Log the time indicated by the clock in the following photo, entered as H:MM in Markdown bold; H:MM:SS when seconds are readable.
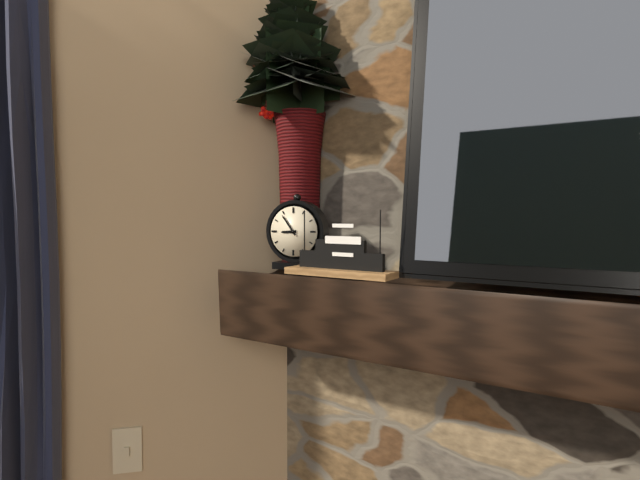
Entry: **8:54**
